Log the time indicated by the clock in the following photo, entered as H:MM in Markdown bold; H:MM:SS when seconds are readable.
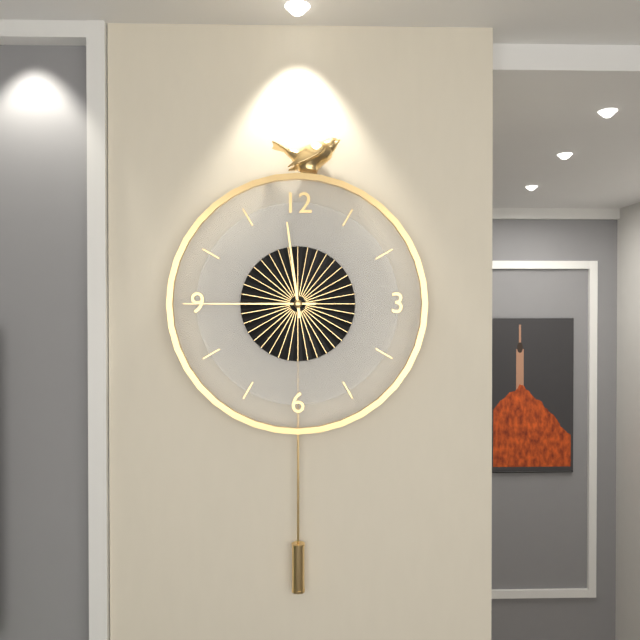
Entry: **11:45**
